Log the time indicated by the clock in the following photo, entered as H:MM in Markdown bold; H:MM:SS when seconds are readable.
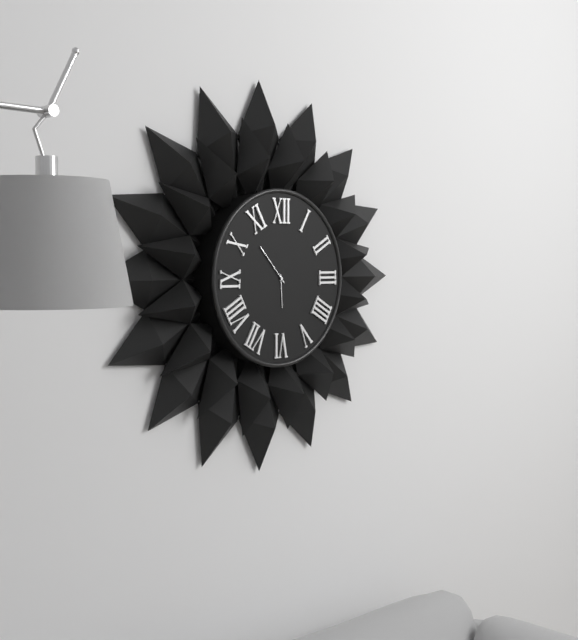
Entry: **5:53**
